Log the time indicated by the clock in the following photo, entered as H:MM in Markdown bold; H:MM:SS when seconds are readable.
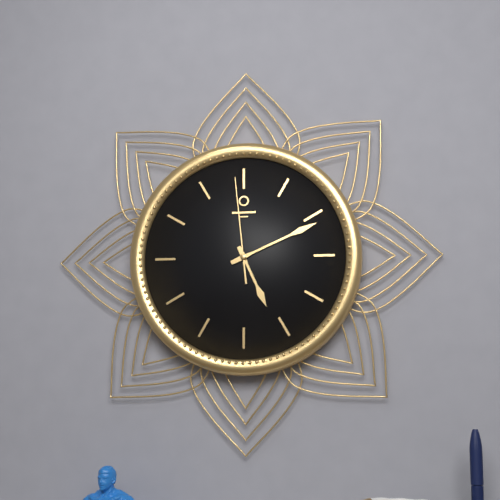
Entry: **5:11:59**
